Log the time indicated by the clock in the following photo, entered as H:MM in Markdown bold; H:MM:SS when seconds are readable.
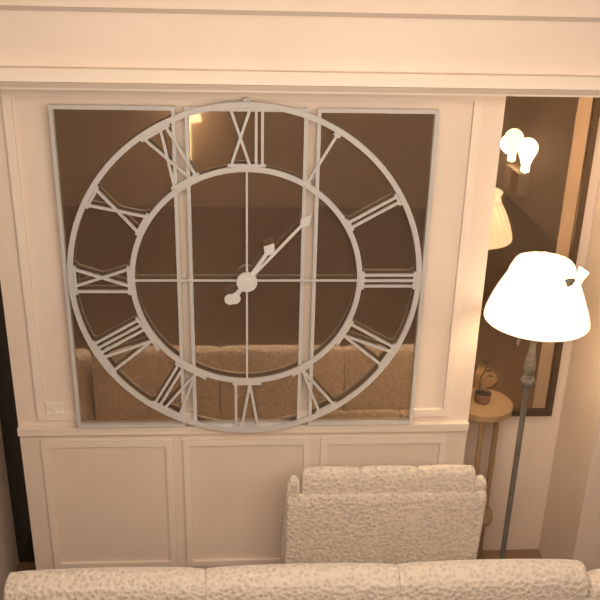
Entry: **1:07**
